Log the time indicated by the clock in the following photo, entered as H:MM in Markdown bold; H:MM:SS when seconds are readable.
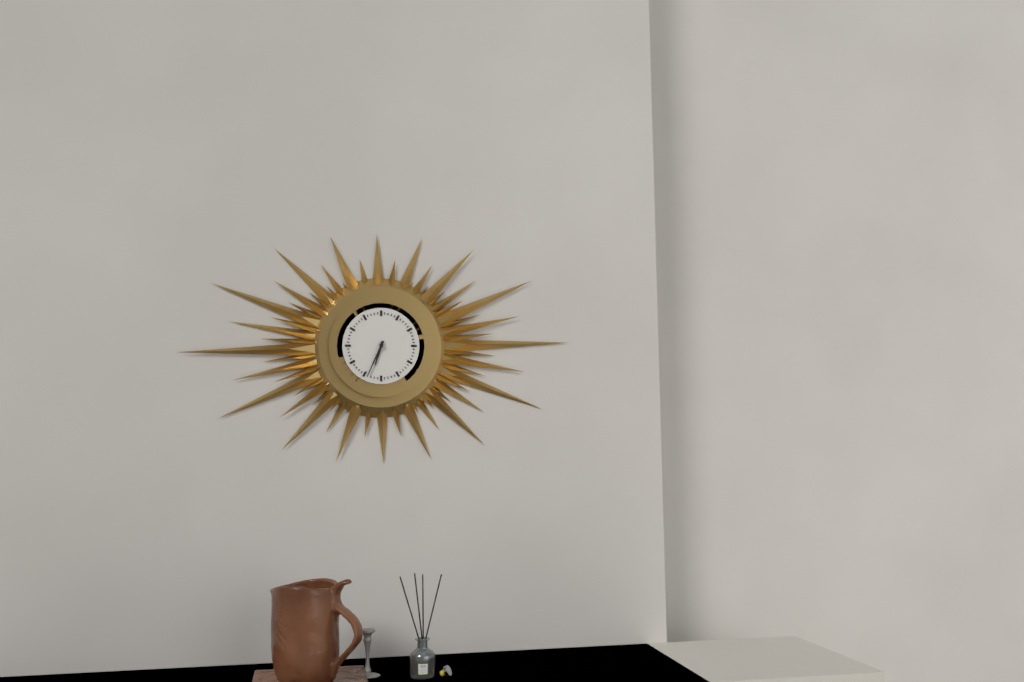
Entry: **6:34**
